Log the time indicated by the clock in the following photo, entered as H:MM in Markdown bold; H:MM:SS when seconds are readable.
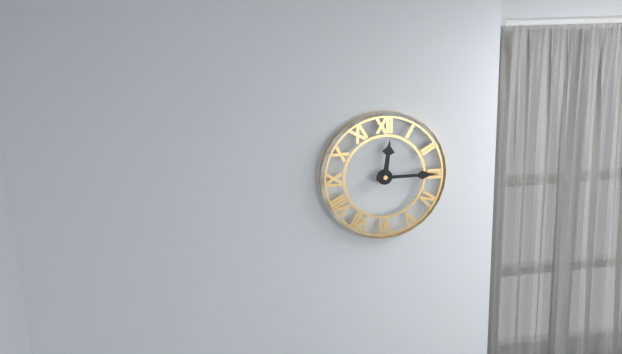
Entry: **12:15**
